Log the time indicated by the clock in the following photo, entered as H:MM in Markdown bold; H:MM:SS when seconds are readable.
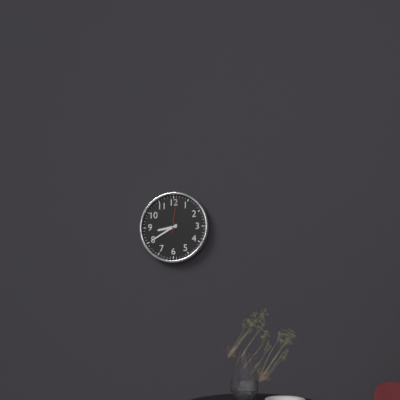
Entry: **8:40**
